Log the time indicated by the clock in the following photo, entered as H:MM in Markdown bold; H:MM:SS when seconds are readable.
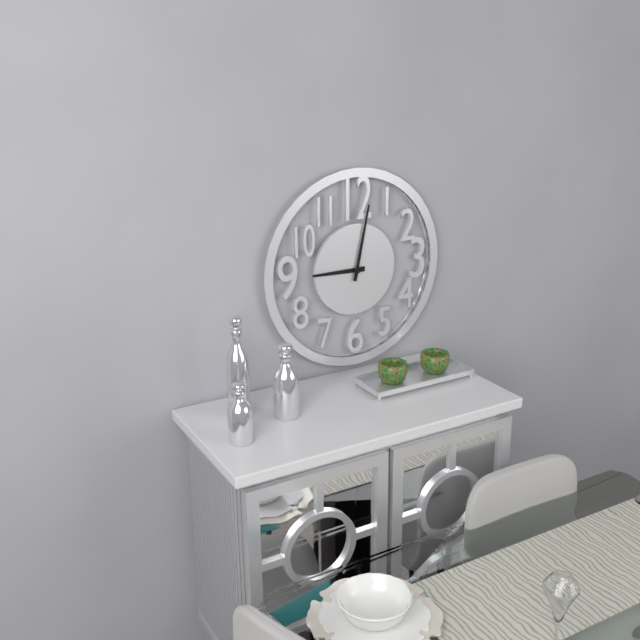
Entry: **9:02**
